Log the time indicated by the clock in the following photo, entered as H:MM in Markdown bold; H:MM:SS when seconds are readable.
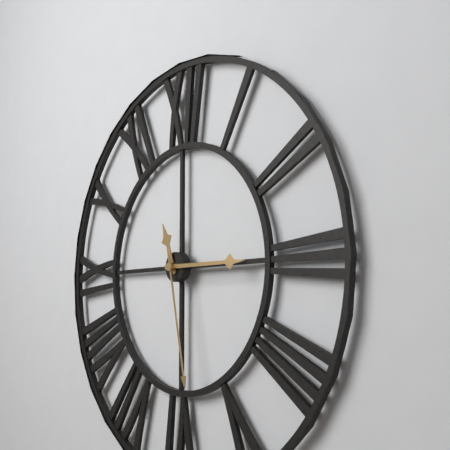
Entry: **11:15:28**
